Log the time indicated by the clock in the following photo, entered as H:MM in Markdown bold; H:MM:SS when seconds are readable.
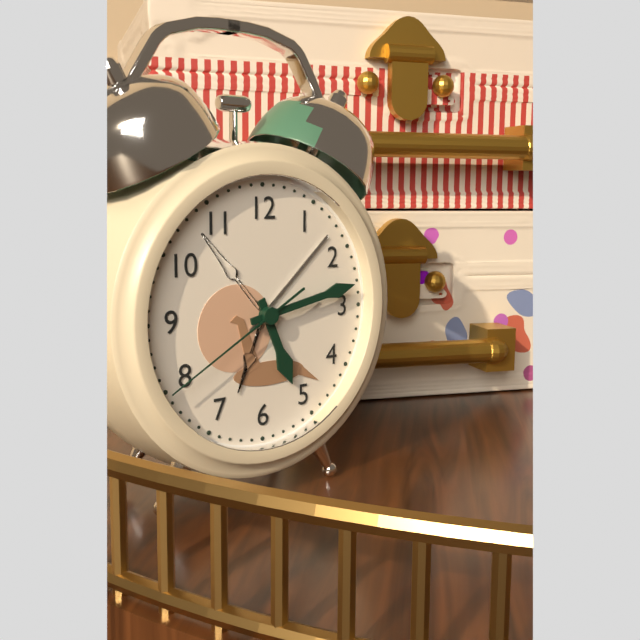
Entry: **5:13:40**
